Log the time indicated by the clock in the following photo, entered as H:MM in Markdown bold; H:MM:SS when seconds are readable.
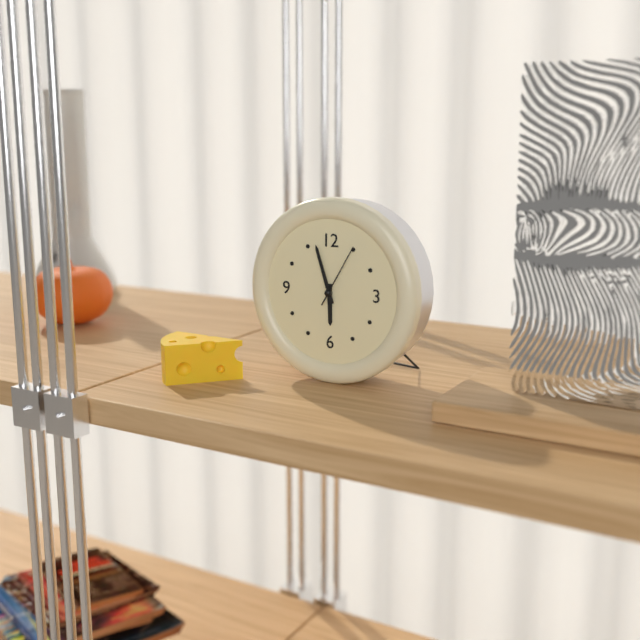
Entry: **5:57:05**
